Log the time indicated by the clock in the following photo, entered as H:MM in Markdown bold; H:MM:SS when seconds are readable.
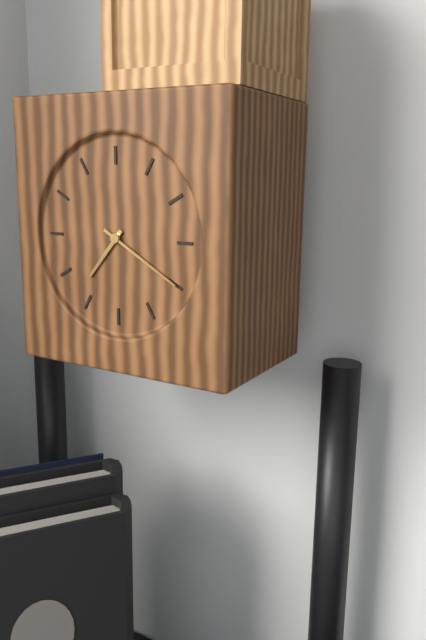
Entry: **7:20**
